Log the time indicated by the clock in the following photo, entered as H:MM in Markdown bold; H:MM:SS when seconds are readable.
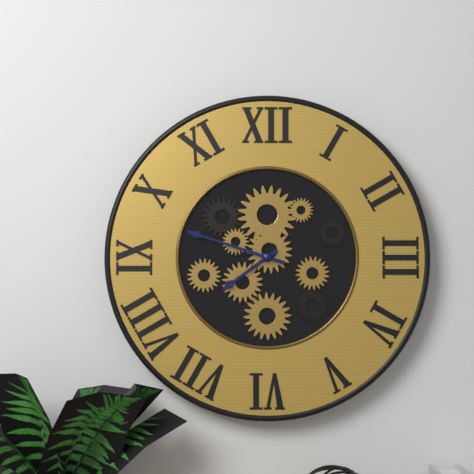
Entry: **7:48**
